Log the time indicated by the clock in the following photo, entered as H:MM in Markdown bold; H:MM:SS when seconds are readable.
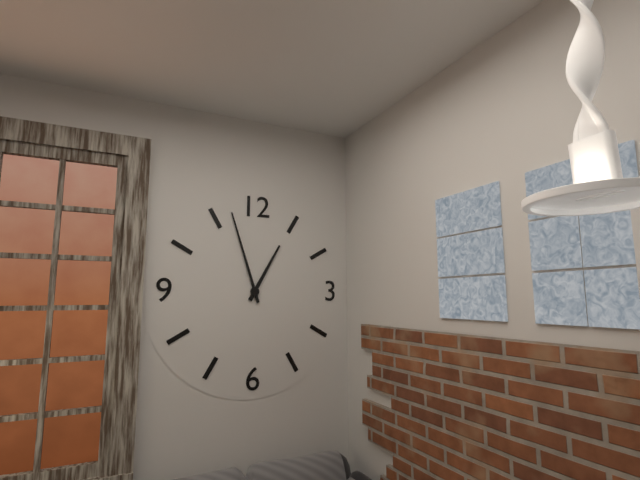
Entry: **12:57**
